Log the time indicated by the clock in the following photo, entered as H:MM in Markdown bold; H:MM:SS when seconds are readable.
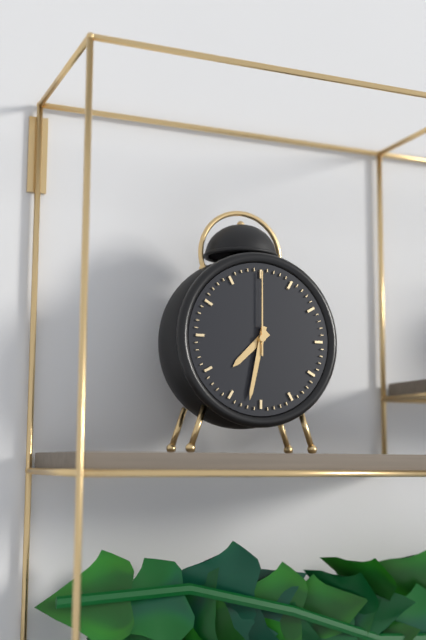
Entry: **7:32:00**
